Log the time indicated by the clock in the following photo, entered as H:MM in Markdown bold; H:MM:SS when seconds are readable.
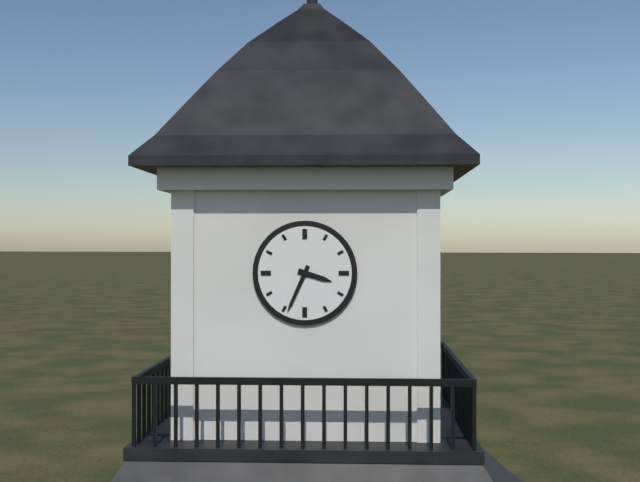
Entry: **3:34**
